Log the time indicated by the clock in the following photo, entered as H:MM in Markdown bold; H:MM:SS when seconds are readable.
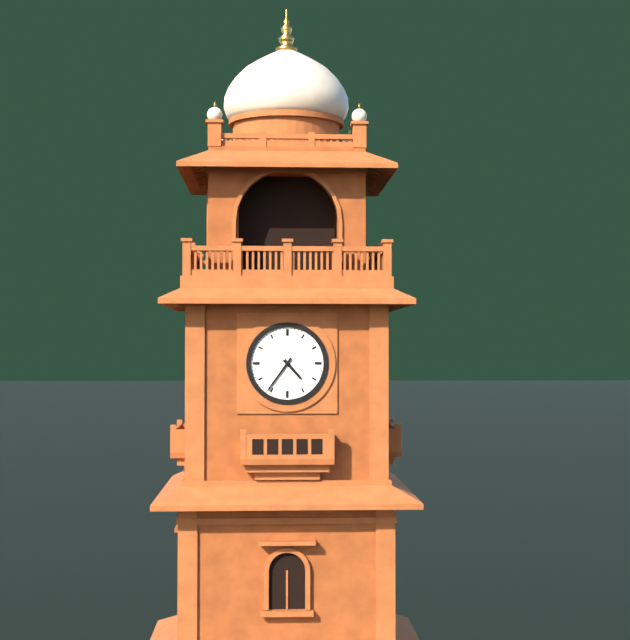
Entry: **4:36**
